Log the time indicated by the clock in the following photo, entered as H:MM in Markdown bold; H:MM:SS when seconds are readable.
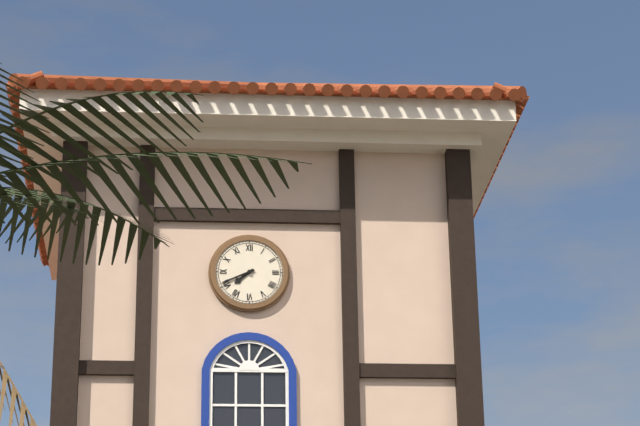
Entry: **7:41**
